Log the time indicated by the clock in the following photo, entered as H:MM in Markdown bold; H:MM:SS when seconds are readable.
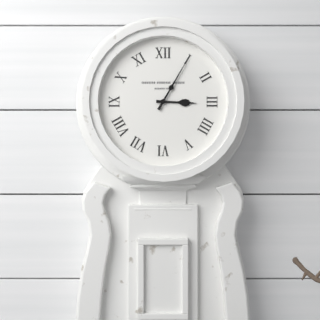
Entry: **3:05**
